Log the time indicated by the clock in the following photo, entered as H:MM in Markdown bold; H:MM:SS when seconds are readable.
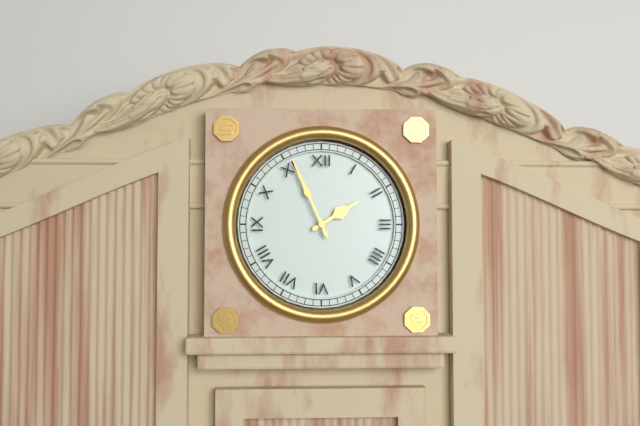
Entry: **1:56**
